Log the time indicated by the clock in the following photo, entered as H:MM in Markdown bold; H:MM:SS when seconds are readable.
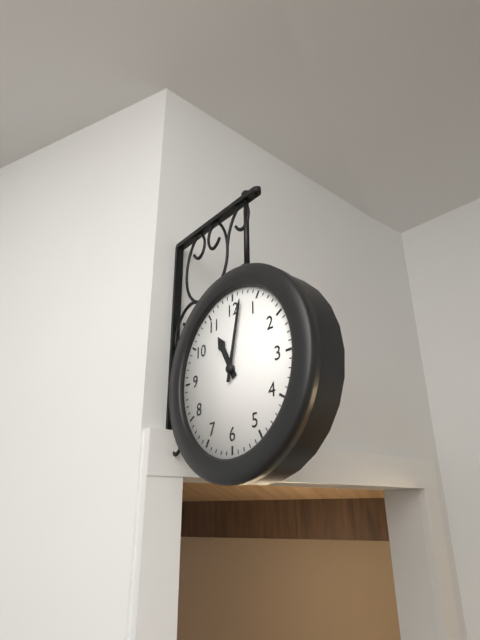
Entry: **11:02**
